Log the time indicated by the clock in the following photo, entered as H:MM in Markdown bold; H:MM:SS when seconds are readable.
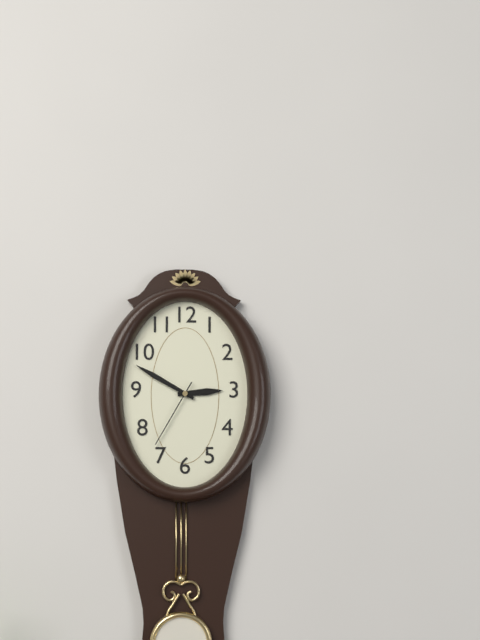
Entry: **2:50:35**
